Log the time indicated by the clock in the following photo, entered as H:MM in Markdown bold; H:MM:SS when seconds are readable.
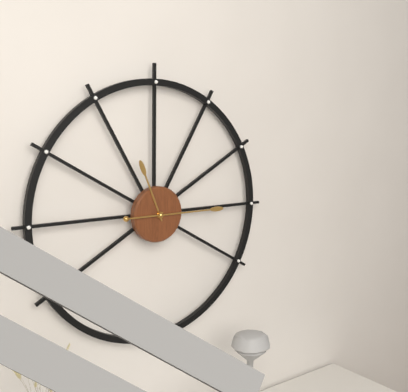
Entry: **11:15**
